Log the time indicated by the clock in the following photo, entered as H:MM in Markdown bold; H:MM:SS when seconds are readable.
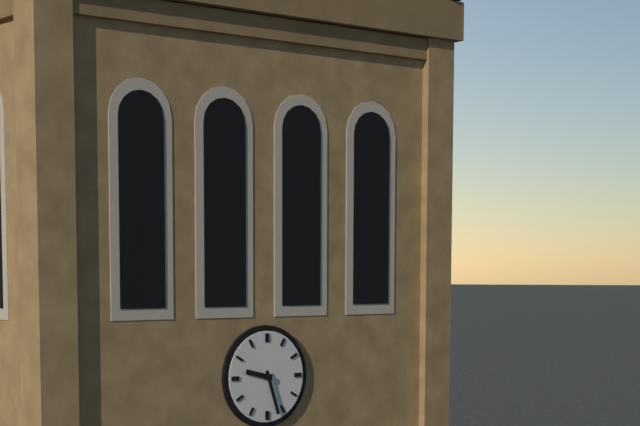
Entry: **9:27**
